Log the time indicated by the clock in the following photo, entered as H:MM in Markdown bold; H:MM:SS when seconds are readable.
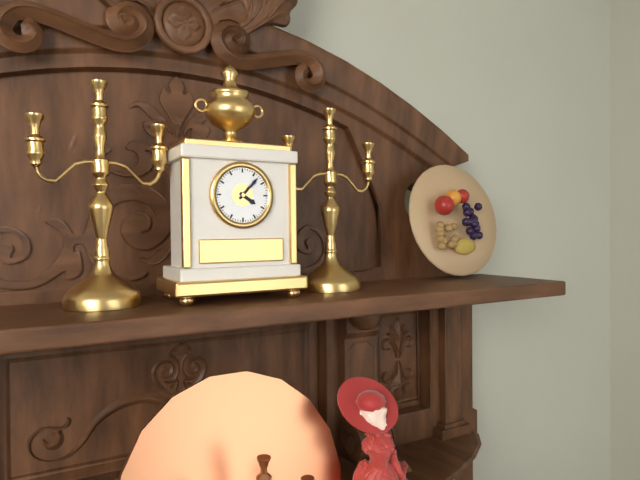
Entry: **4:07**
